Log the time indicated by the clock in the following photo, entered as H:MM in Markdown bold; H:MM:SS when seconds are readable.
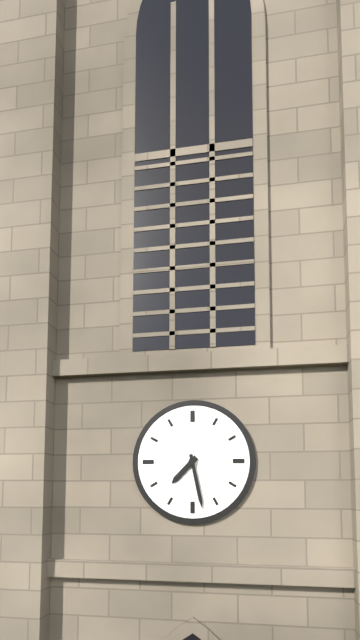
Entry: **7:28**
